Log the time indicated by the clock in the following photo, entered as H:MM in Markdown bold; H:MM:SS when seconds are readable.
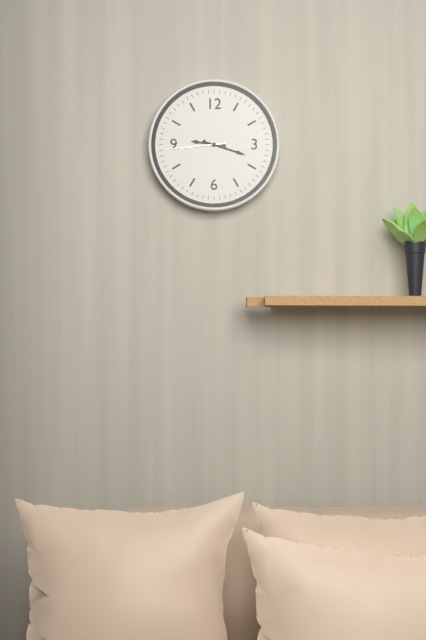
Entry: **9:18:44**
